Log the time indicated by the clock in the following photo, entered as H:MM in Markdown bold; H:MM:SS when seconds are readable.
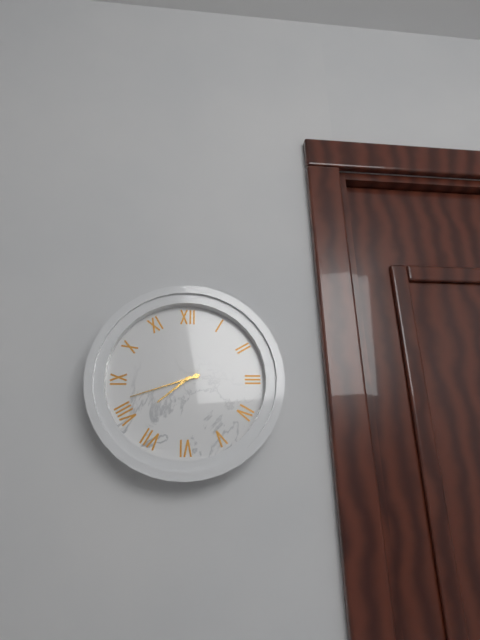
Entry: **7:42**
